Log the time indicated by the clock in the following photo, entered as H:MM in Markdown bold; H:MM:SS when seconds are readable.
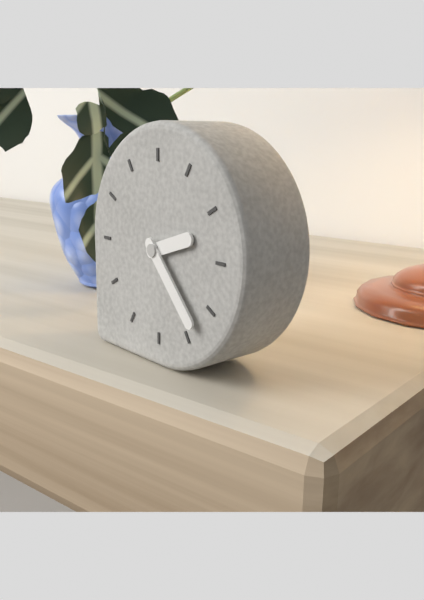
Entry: **2:23**
